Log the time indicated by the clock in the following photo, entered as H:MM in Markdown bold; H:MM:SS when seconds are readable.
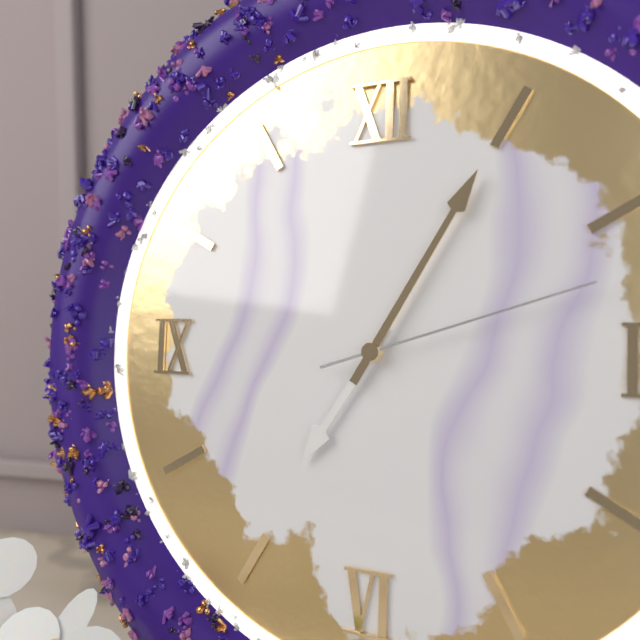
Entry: **7:05:12**
